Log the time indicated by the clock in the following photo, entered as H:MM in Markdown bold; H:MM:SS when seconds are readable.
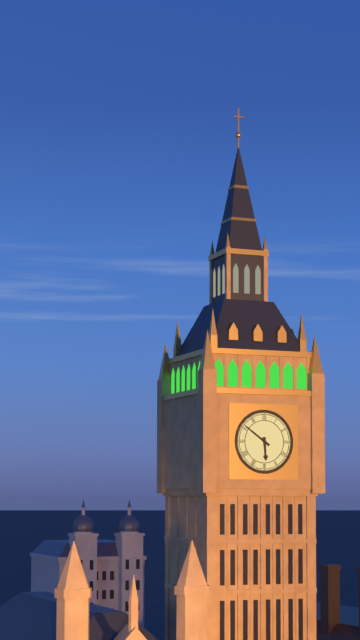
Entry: **5:51**
